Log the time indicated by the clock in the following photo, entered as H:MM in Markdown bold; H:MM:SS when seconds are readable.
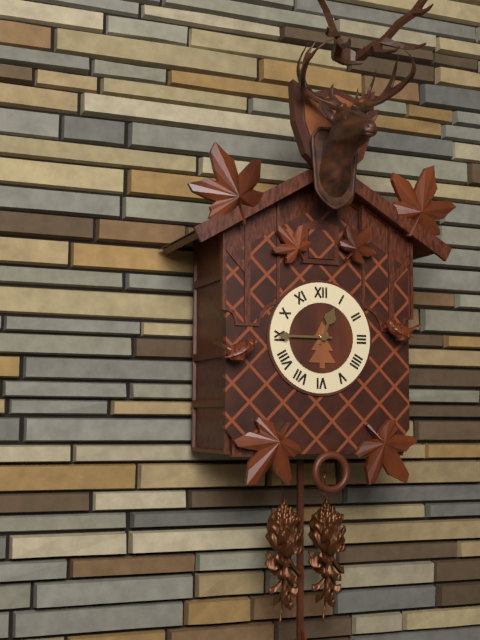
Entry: **12:45**
